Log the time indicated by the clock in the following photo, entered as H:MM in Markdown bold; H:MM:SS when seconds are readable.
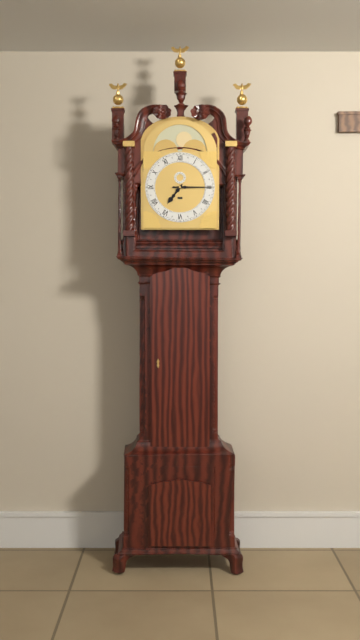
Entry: **7:15**
